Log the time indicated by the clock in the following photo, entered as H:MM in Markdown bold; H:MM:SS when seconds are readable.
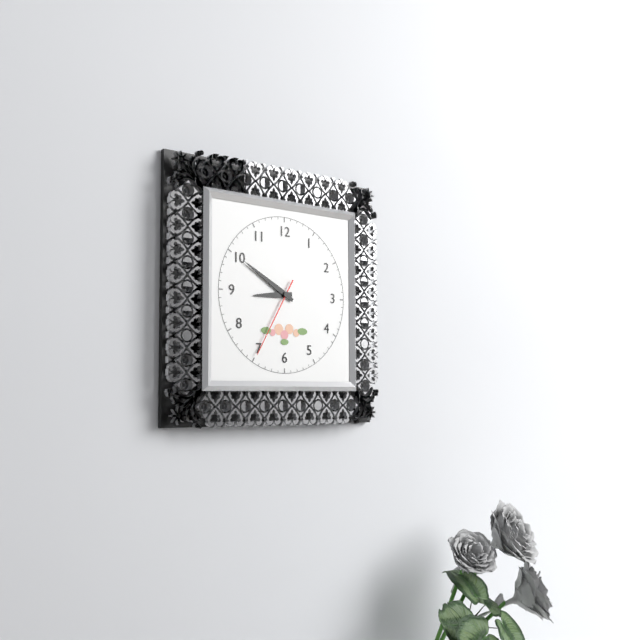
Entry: **8:50:35**
